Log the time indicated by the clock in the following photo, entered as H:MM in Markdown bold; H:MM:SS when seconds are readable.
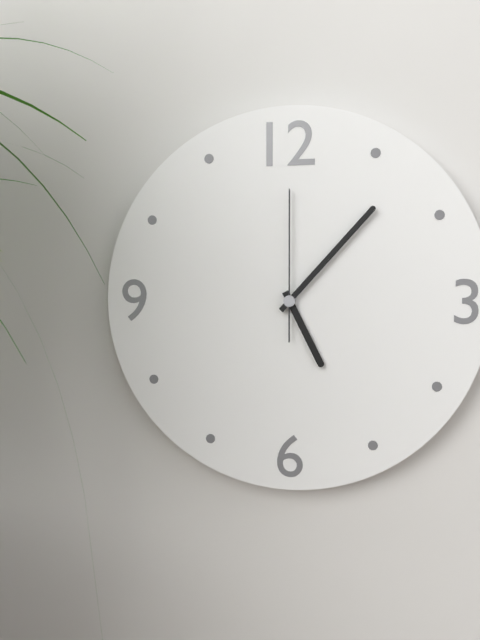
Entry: **5:07:00**
